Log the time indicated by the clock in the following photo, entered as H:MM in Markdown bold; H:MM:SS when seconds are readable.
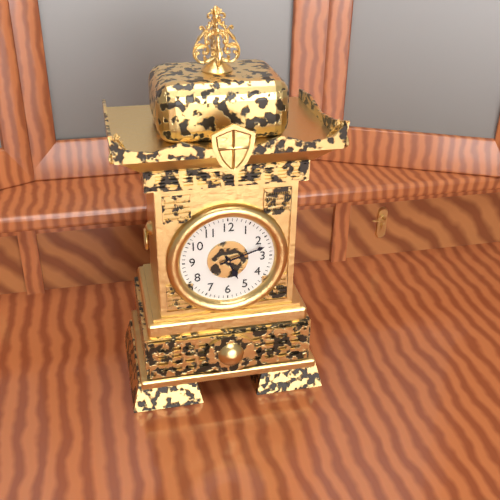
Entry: **5:12**
